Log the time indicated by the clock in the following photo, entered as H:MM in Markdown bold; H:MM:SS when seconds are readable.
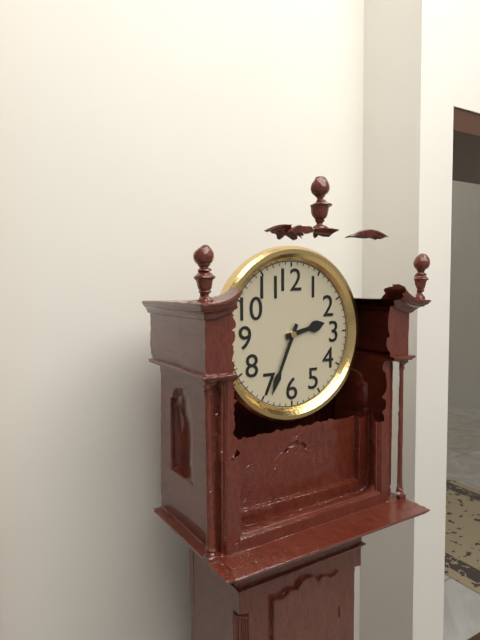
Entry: **2:34**
